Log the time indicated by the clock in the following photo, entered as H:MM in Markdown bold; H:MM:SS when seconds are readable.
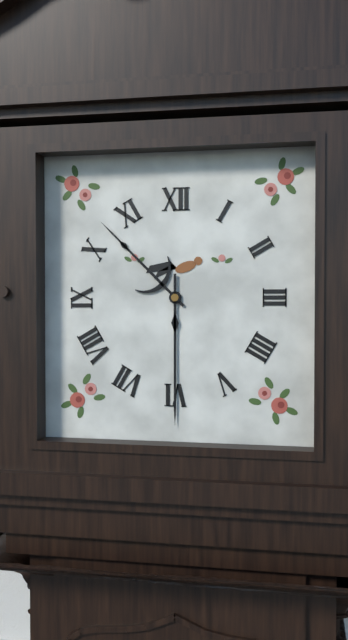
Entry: **10:30**
